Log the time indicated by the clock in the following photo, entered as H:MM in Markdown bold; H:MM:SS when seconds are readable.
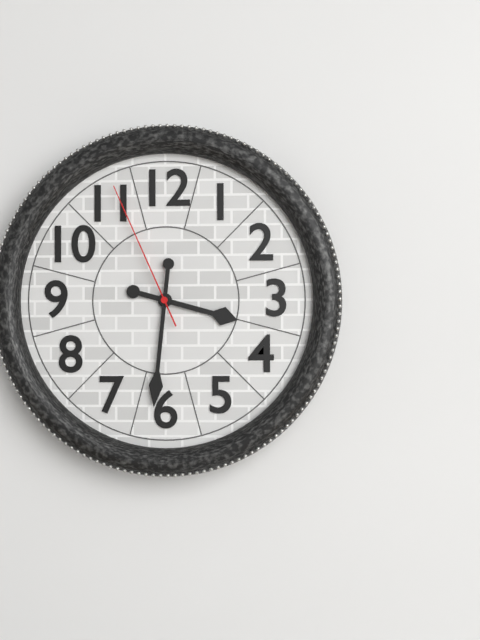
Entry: **3:31:56**
